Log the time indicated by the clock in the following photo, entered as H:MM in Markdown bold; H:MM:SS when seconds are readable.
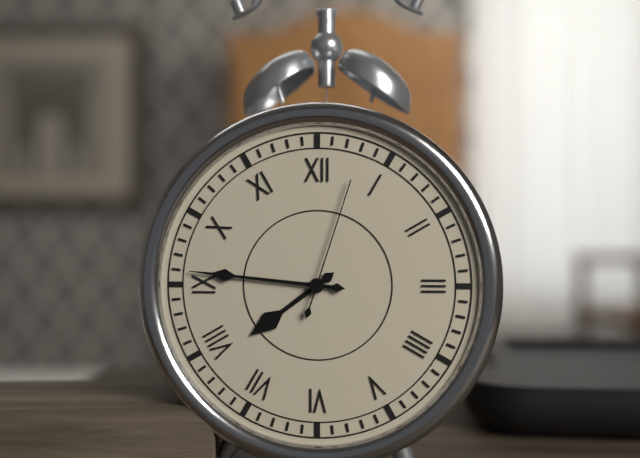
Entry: **7:46:03**
